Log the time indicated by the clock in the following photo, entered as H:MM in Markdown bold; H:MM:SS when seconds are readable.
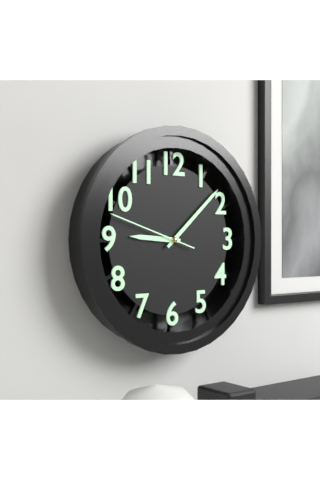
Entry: **9:08:48**
